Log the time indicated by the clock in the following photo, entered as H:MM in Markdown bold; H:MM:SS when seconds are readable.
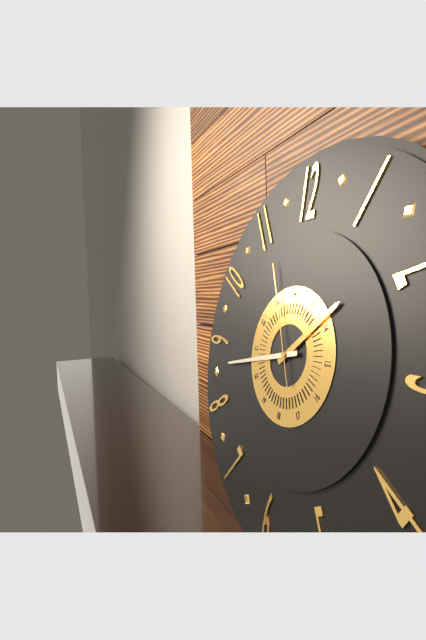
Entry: **1:43:56**
